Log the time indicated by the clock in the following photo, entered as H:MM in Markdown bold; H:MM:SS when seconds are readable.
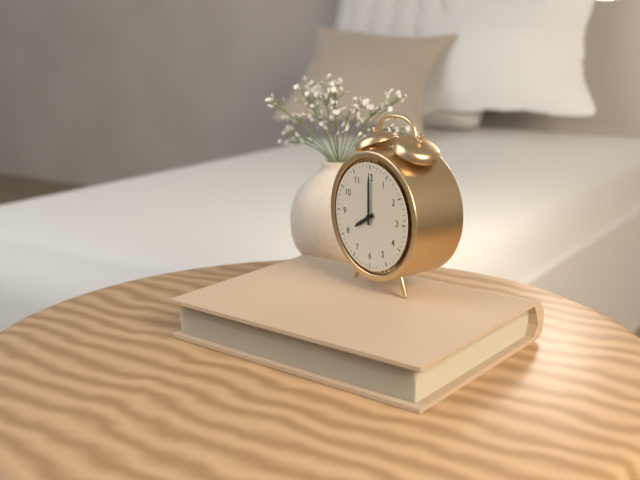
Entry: **8:00**
